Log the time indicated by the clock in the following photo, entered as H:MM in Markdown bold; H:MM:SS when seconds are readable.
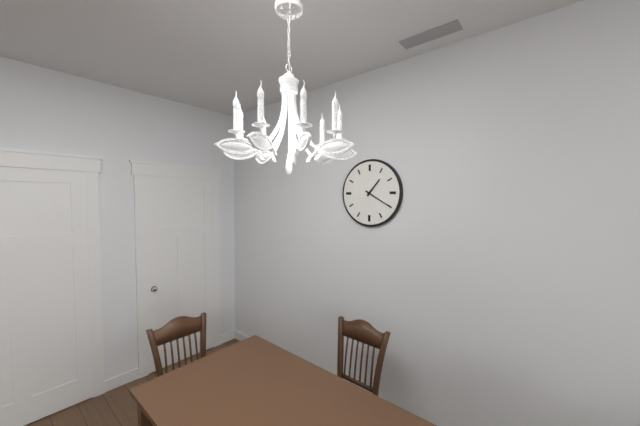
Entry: **1:20**
